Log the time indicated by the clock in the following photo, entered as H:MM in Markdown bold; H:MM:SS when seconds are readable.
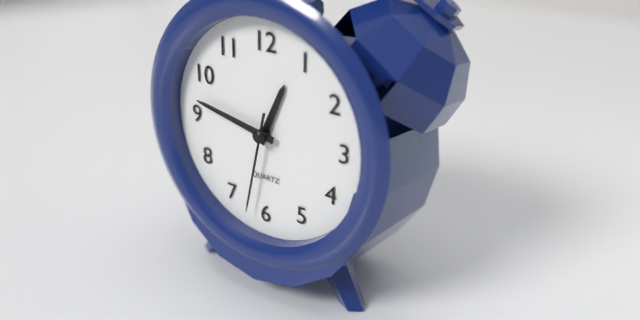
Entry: **12:47:32**
